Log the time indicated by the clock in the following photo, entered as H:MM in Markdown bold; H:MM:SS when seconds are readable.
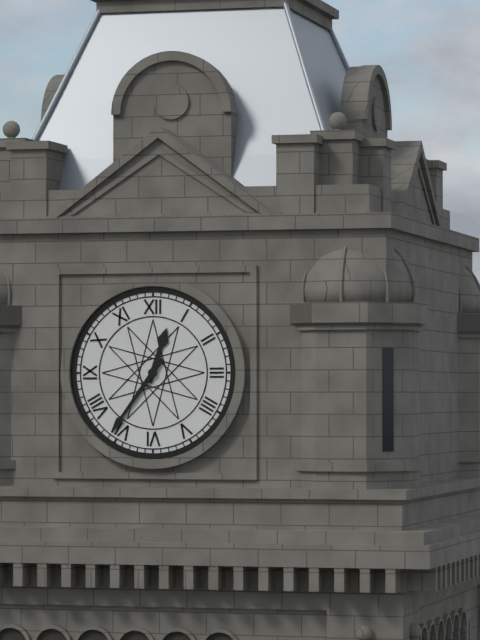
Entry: **12:36**
